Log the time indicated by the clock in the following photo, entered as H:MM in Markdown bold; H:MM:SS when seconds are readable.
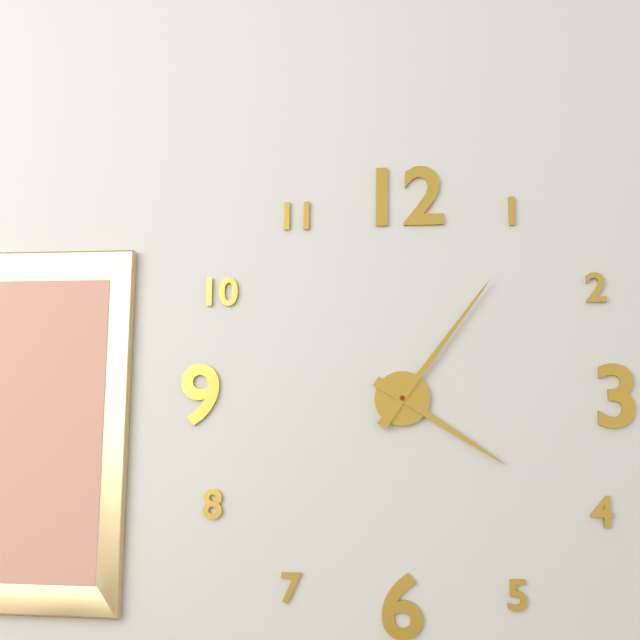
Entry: **4:06**
